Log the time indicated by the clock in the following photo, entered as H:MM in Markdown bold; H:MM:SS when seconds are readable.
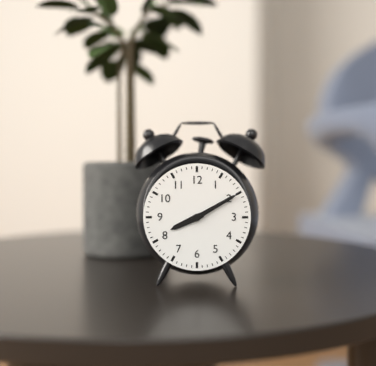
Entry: **8:10**
